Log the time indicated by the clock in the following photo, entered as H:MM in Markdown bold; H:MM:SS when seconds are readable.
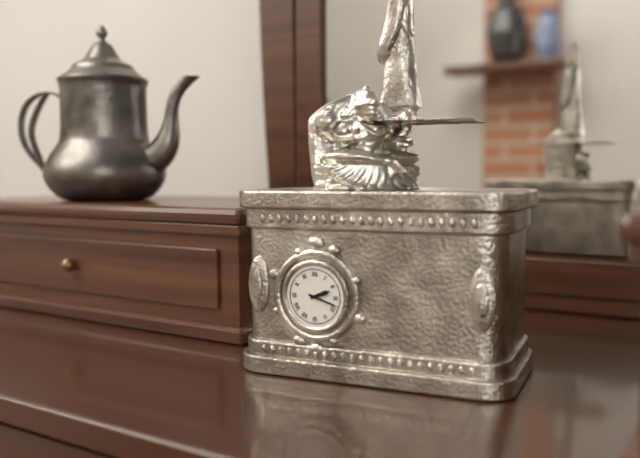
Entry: **2:18**
